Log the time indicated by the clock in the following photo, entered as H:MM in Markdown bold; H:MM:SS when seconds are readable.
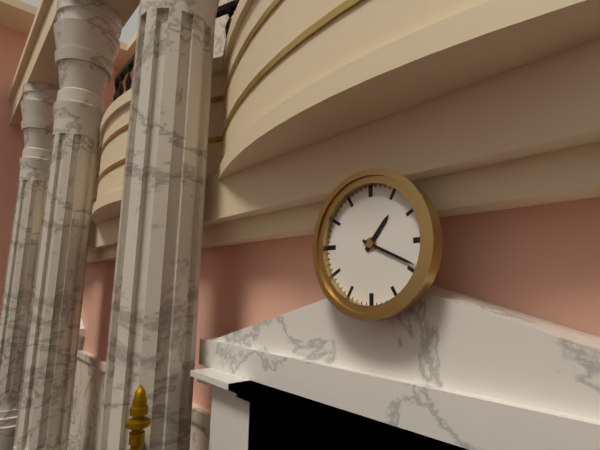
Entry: **1:19**
